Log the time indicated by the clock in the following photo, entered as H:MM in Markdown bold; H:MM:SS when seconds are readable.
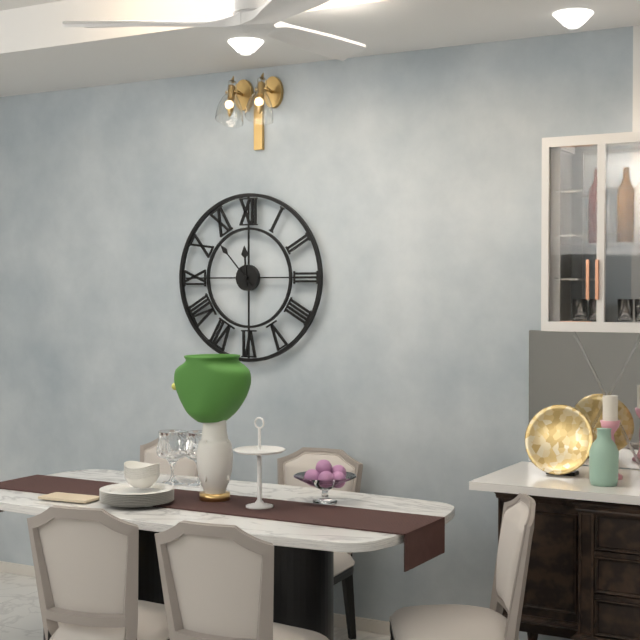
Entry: **11:53**
